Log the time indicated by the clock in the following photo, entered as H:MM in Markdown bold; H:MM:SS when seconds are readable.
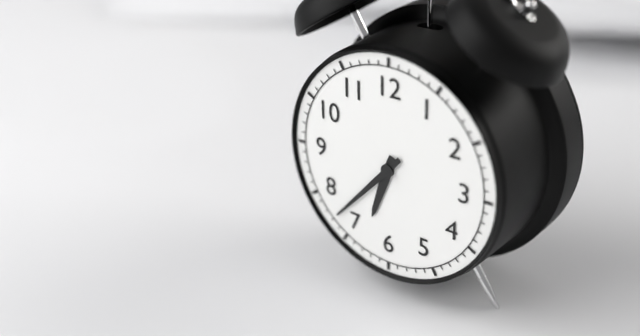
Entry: **6:37**
